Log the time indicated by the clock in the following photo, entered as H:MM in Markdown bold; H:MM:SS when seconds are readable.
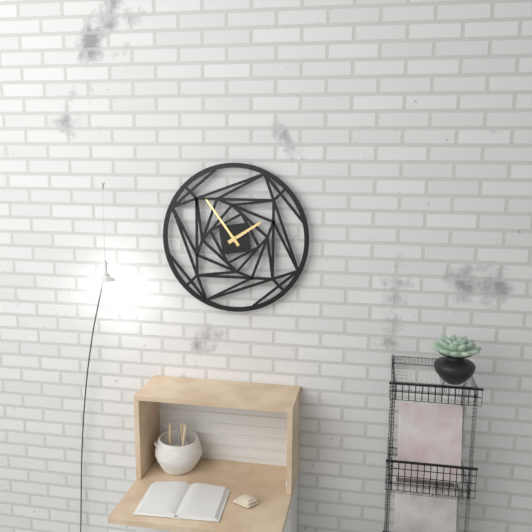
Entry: **1:54**
